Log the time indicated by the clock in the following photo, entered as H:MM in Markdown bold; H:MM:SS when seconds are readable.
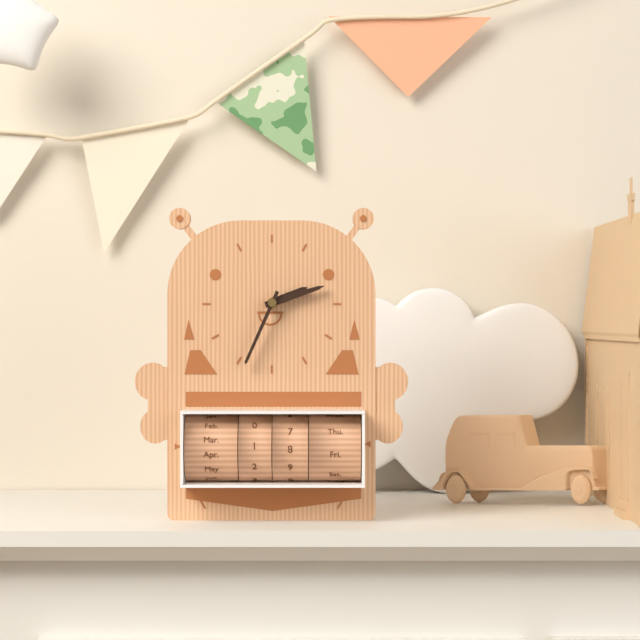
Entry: **2:12:34**
